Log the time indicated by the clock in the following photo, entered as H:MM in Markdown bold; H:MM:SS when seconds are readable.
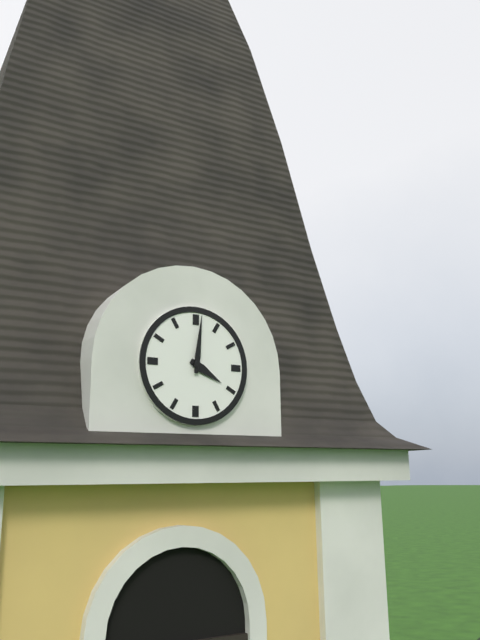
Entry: **4:01**
